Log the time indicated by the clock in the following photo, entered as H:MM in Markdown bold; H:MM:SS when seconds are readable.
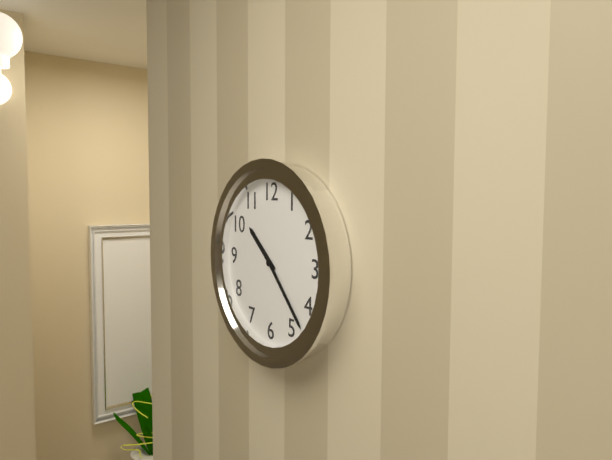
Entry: **10:23**
